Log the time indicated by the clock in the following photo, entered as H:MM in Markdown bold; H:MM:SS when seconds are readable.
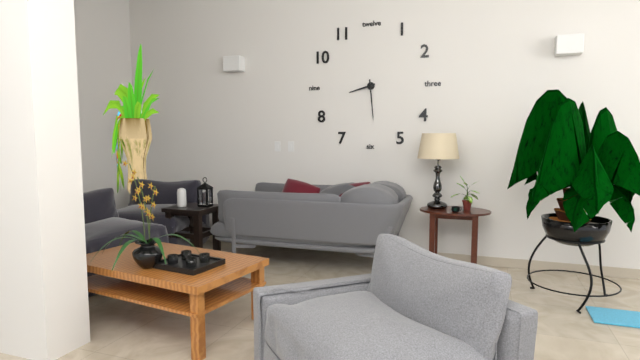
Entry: **8:29**
